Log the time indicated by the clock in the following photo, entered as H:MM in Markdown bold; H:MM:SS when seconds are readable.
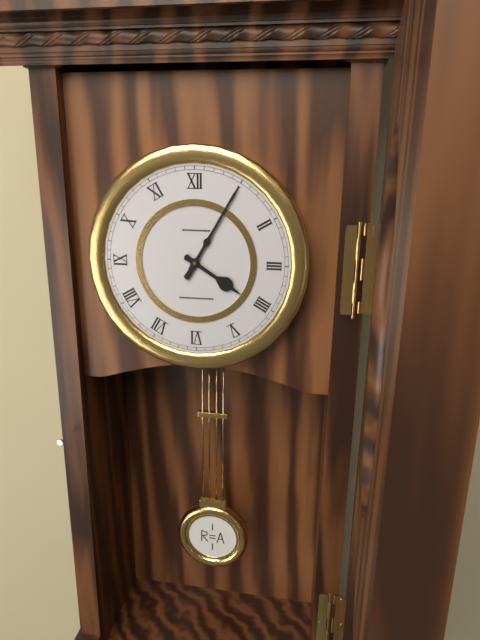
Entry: **4:05**
